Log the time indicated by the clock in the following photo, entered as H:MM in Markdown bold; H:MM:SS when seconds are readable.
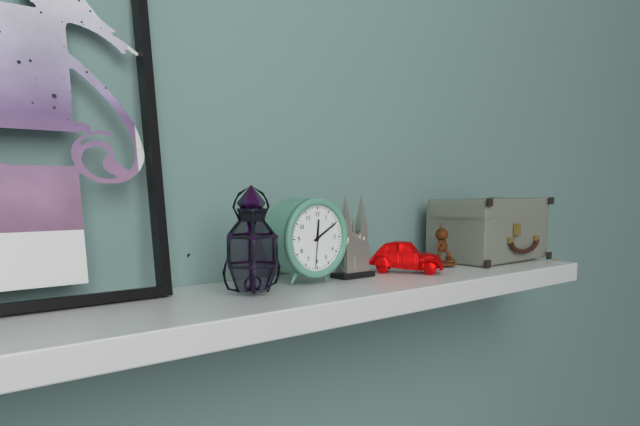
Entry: **12:10**
